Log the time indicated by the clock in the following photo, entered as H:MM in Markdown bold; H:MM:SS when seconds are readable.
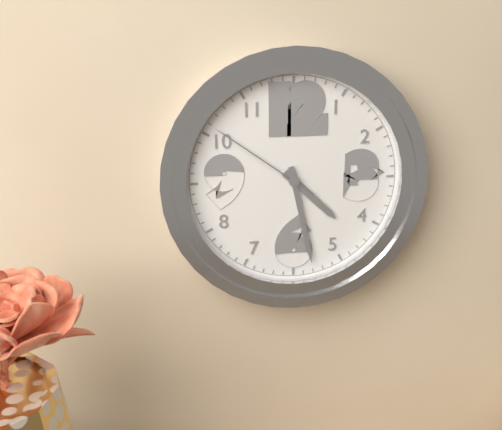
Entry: **4:28:51**
